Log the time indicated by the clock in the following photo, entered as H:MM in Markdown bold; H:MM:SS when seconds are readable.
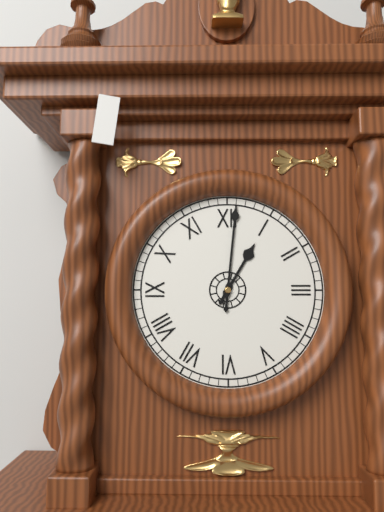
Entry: **1:01**
